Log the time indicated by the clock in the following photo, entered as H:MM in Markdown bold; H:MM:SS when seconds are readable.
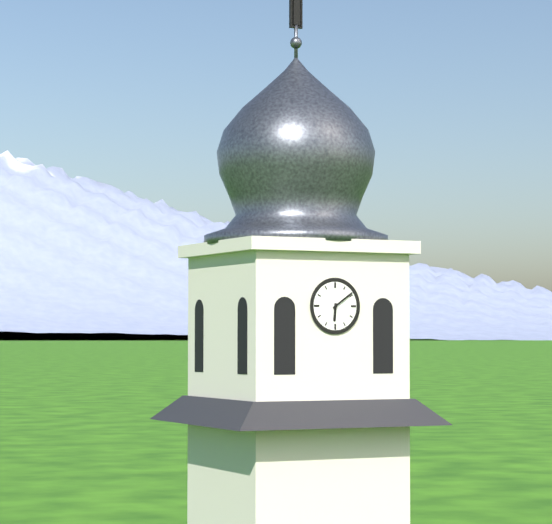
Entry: **6:09**
